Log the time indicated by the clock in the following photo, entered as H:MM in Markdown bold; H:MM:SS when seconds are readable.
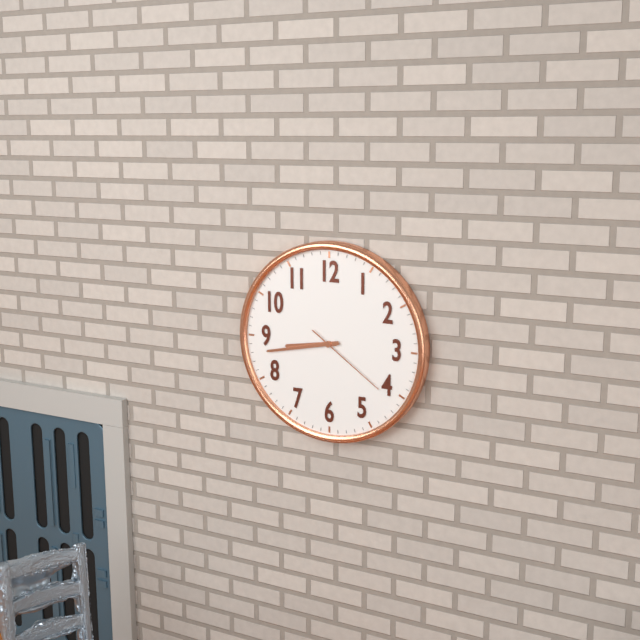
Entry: **8:43:21**
